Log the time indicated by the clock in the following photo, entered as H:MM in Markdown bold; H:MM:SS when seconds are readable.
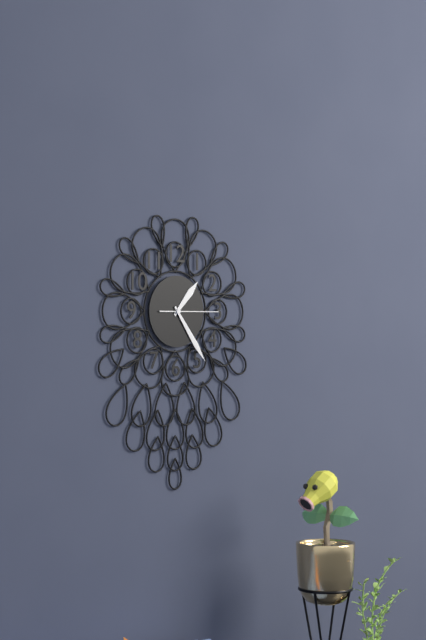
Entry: **1:24:15**
